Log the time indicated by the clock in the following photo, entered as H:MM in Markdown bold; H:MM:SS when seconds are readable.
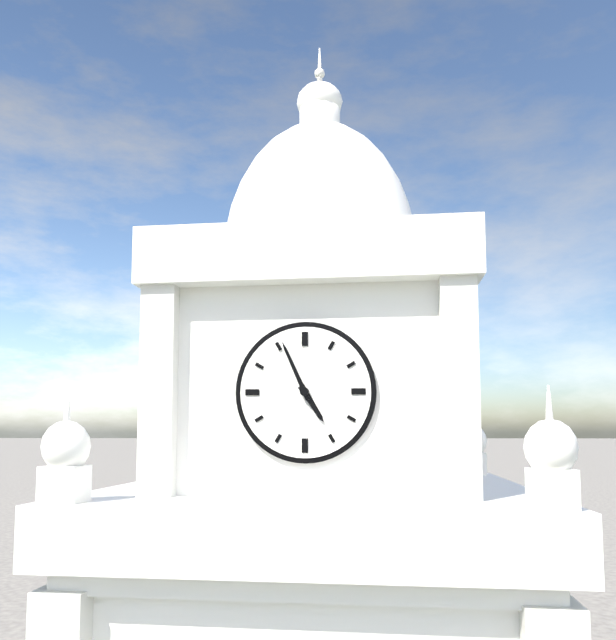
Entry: **4:56**
